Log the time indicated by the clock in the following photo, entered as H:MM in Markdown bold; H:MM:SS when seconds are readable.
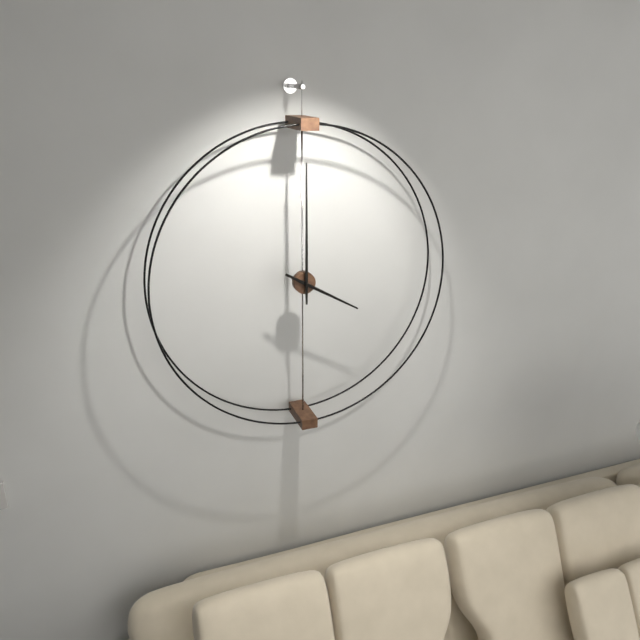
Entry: **4:00**
